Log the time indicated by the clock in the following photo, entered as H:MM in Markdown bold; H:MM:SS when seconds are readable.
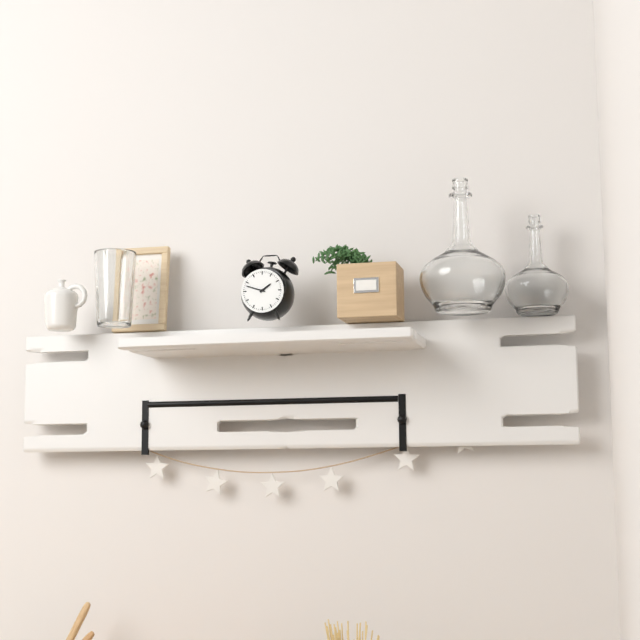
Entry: **1:48**
